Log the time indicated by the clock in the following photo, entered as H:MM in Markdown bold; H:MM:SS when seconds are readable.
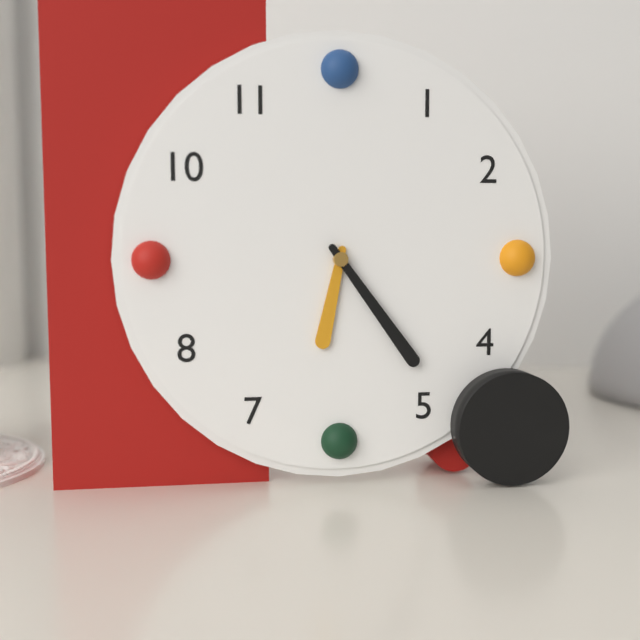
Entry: **6:24**
